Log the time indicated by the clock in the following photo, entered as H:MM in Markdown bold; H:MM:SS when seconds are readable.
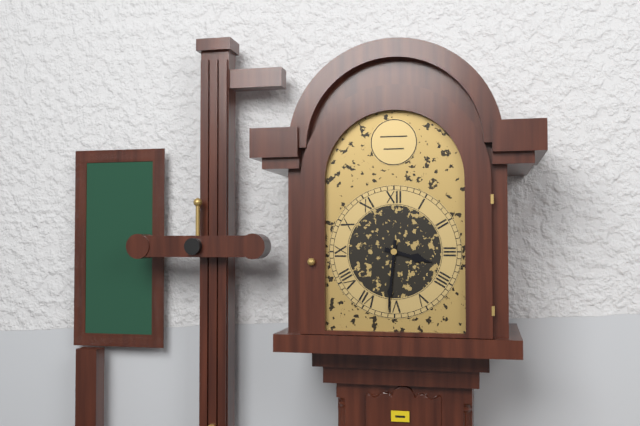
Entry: **3:31**
